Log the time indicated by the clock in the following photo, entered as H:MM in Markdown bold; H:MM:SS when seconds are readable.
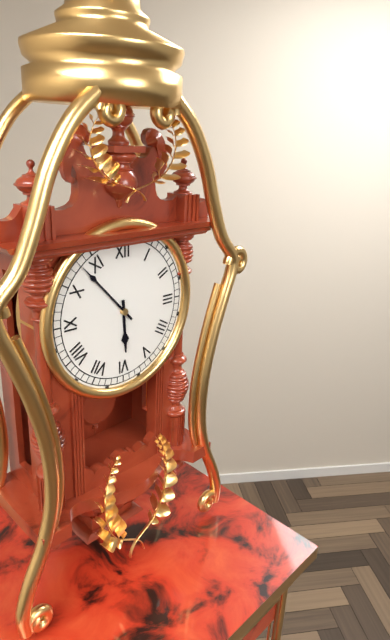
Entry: **5:53**
